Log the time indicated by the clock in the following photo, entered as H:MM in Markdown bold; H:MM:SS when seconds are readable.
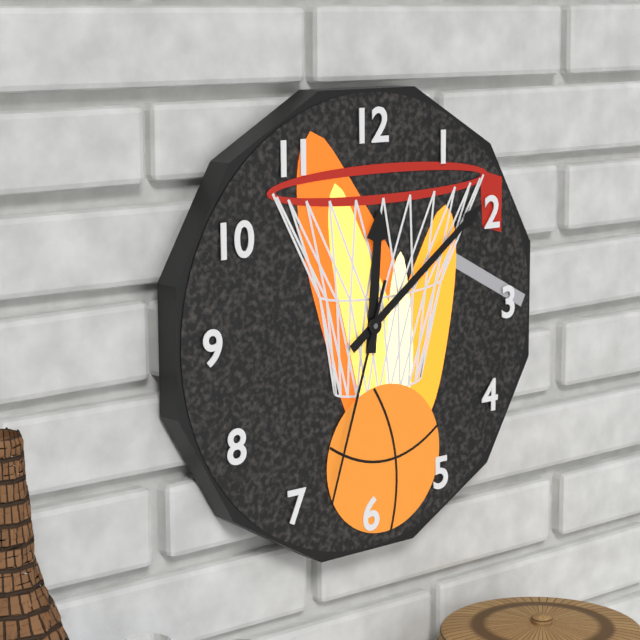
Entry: **12:09:33**
